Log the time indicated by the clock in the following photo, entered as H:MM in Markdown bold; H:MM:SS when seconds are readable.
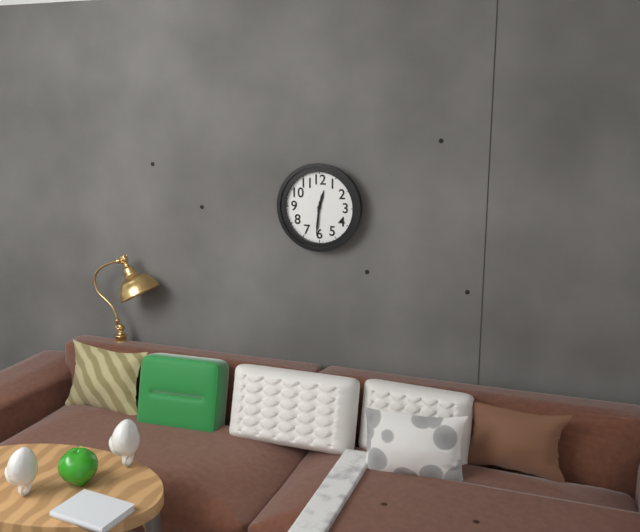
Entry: **12:31**
